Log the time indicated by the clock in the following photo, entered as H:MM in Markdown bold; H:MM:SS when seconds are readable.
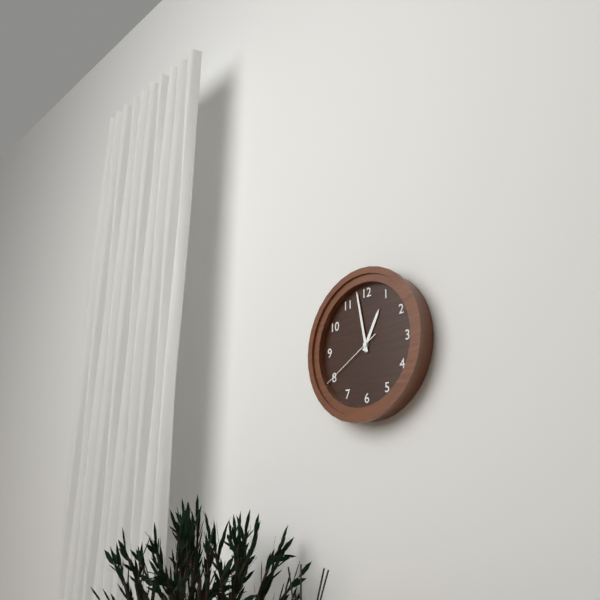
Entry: **12:58:40**
